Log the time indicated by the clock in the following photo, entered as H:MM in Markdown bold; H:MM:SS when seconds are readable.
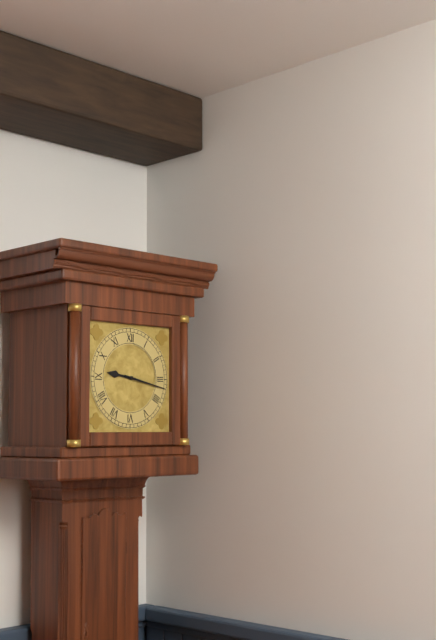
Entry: **9:17**
